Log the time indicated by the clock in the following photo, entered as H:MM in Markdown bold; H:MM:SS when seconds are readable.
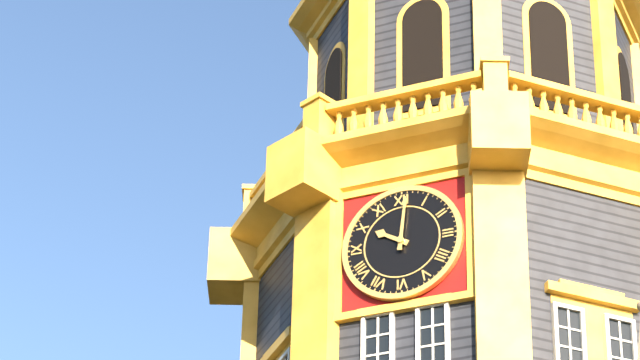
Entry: **10:01**
